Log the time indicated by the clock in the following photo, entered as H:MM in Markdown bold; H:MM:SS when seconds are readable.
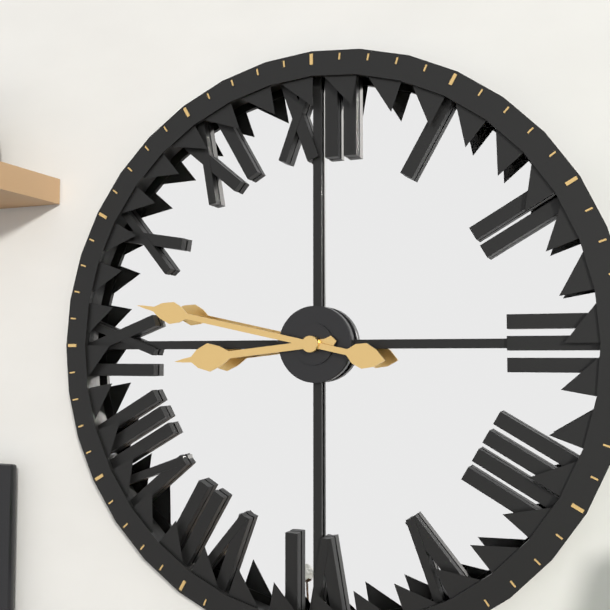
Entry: **8:47**
